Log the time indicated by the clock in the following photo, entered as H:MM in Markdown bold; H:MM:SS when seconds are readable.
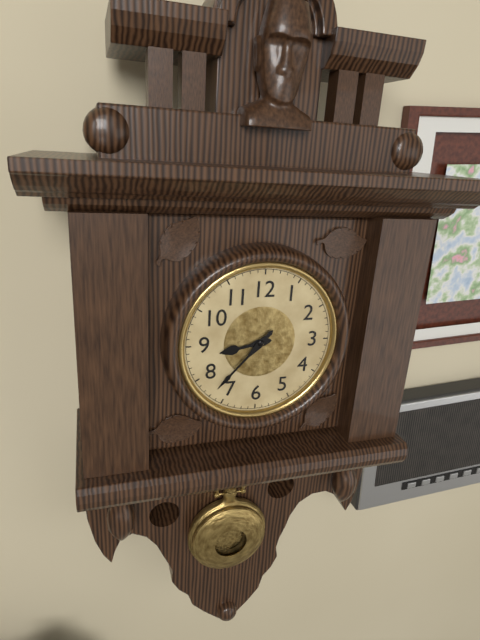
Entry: **8:37**
